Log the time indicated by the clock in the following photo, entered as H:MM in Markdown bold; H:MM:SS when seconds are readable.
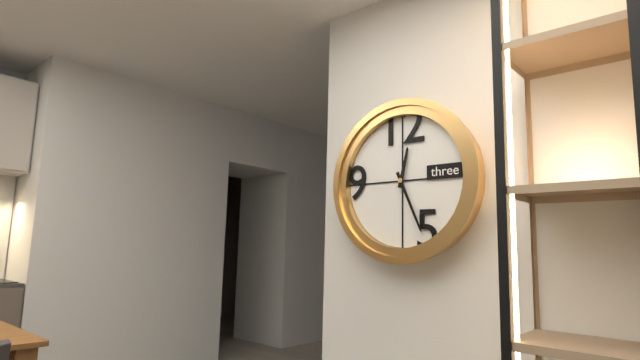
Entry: **12:26**
